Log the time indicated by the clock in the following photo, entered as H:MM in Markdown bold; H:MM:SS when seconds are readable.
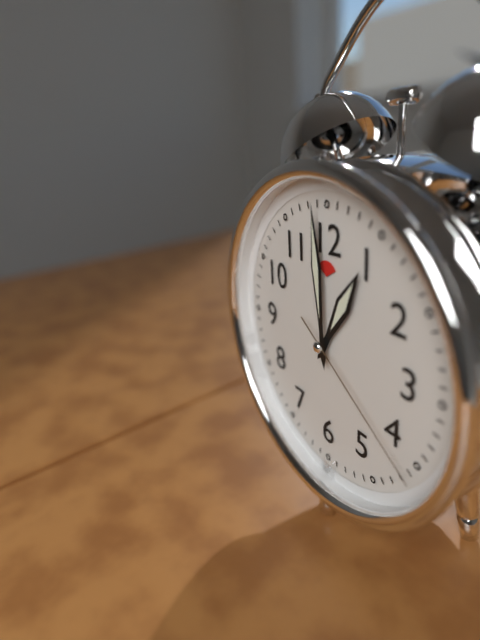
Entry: **12:59:21**
